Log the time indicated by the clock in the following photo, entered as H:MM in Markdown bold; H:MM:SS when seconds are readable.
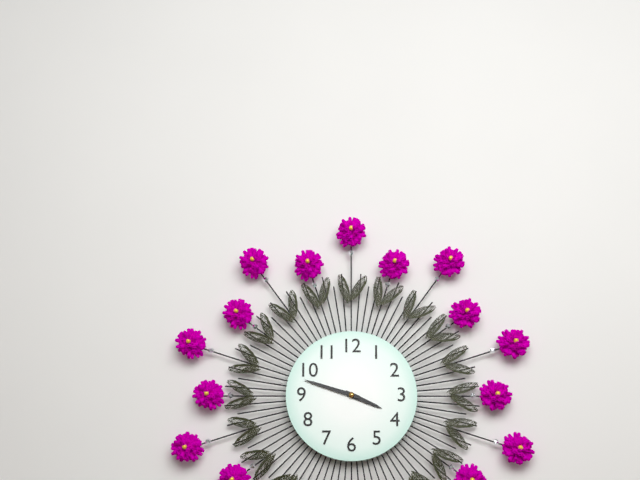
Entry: **3:48**
